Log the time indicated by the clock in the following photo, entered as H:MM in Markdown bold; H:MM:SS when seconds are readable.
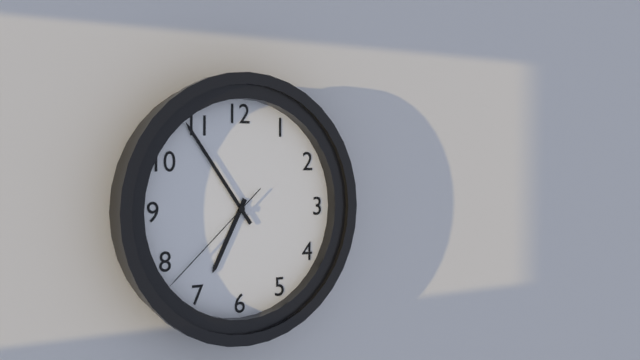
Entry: **6:54:38**
